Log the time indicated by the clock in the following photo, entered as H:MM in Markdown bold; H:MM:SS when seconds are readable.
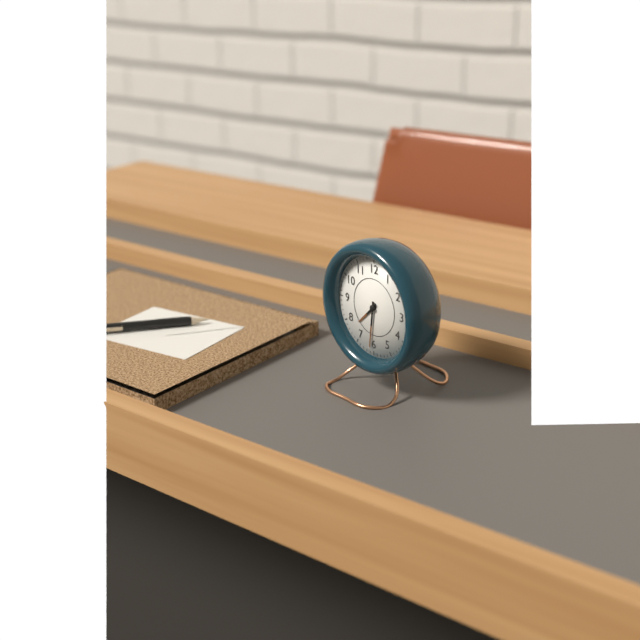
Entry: **7:31**
